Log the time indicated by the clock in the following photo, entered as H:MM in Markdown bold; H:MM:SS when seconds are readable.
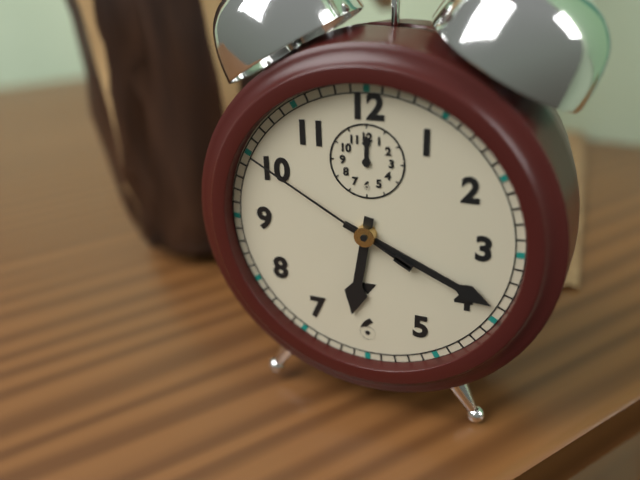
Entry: **6:19:50**
